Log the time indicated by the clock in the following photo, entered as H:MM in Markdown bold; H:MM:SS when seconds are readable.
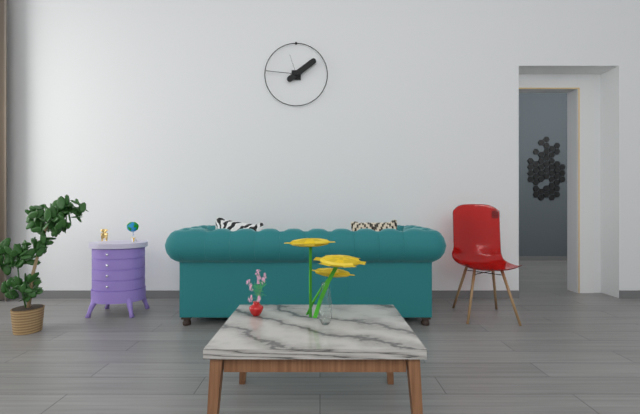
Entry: **1:46**
